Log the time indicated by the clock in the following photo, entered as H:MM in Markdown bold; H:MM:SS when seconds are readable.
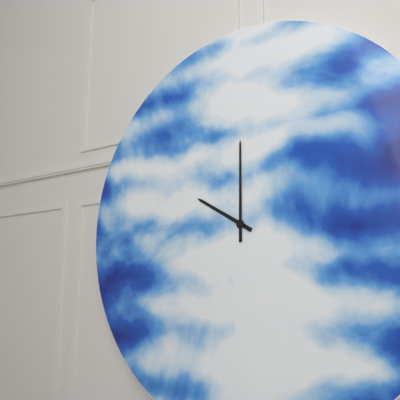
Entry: **10:00**
